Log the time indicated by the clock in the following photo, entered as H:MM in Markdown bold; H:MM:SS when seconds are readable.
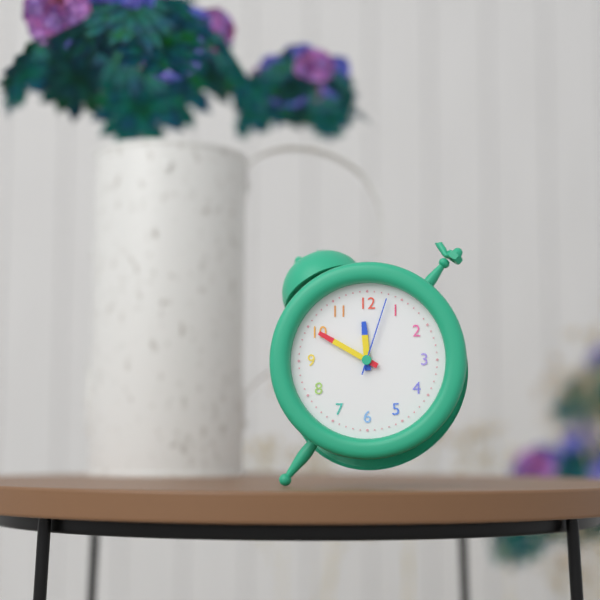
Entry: **11:50:03**
